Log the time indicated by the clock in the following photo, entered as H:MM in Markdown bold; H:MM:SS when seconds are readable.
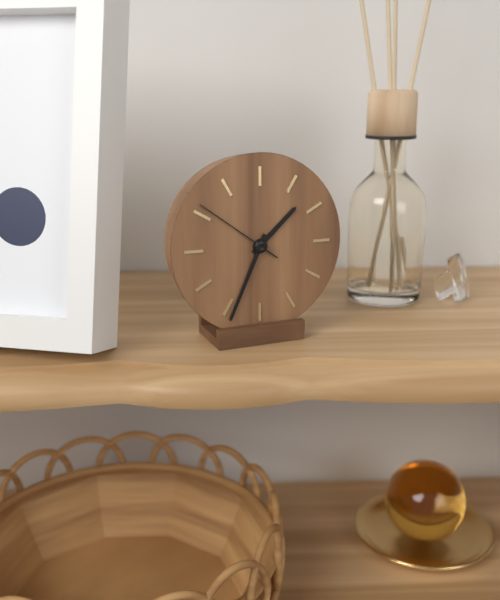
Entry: **1:34:51**
